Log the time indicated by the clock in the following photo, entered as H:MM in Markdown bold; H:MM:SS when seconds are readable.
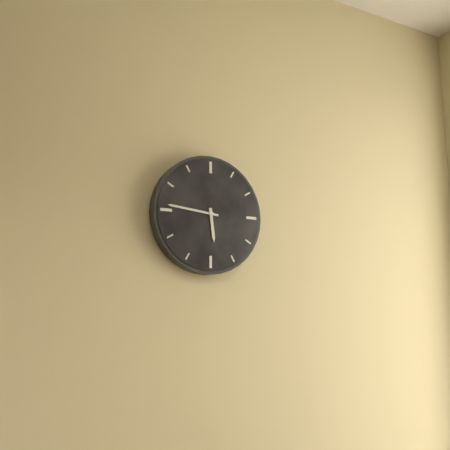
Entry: **5:46**
